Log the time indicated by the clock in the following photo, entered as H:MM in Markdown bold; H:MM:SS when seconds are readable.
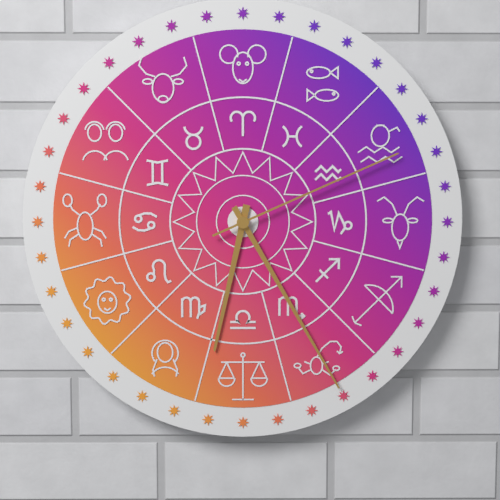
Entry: **6:25:11**
